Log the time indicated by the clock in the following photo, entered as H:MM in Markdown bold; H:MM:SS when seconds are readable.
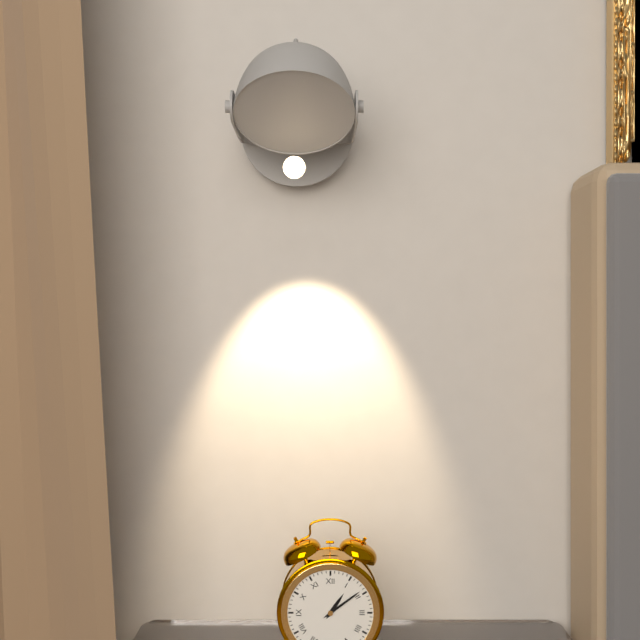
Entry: **1:09**
